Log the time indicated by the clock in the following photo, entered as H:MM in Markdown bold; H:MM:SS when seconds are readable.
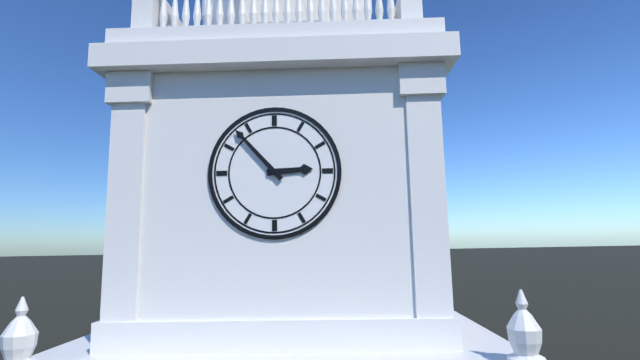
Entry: **2:53**
